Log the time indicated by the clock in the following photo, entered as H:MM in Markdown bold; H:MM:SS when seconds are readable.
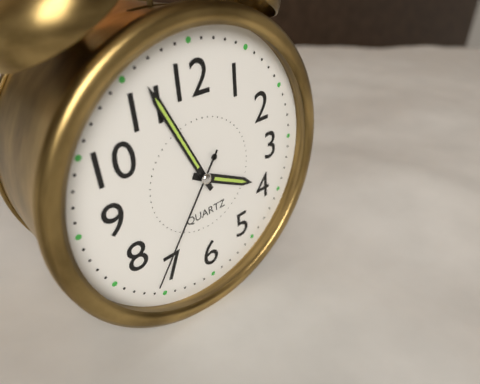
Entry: **3:56:36**
